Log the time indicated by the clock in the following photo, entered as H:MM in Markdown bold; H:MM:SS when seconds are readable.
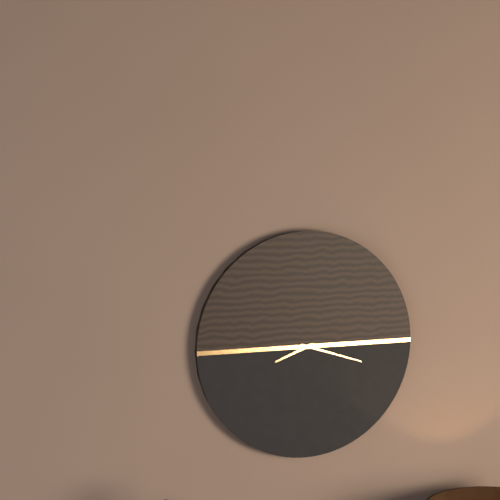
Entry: **8:18**
